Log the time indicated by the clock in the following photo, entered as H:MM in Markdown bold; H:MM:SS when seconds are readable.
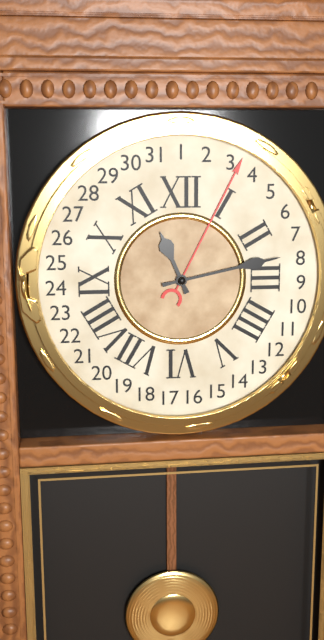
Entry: **11:13**
